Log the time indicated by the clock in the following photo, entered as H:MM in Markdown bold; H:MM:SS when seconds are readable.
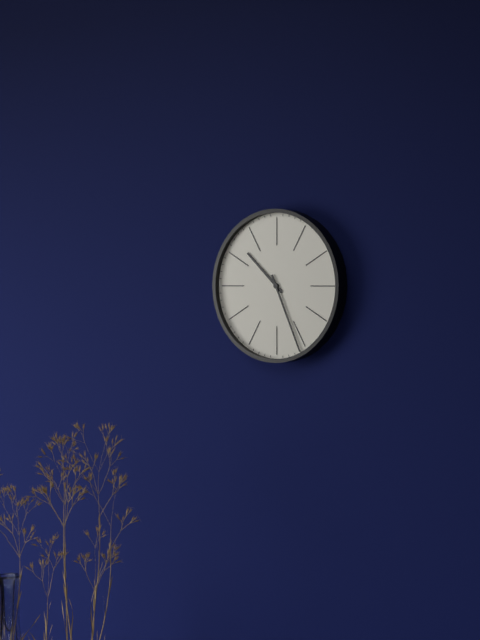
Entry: **10:26**
